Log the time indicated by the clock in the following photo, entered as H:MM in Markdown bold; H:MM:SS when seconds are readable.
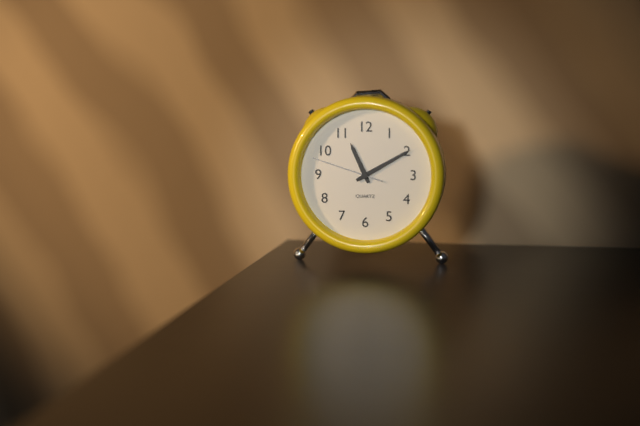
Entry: **11:10:48**
